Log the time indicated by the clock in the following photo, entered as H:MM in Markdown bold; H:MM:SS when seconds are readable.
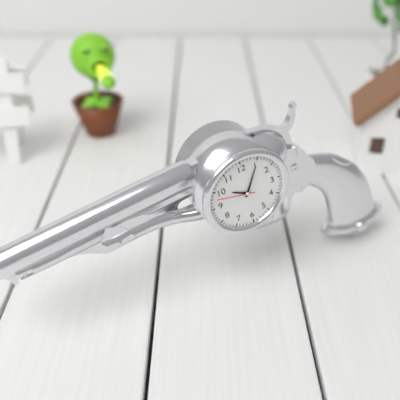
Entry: **10:05**
